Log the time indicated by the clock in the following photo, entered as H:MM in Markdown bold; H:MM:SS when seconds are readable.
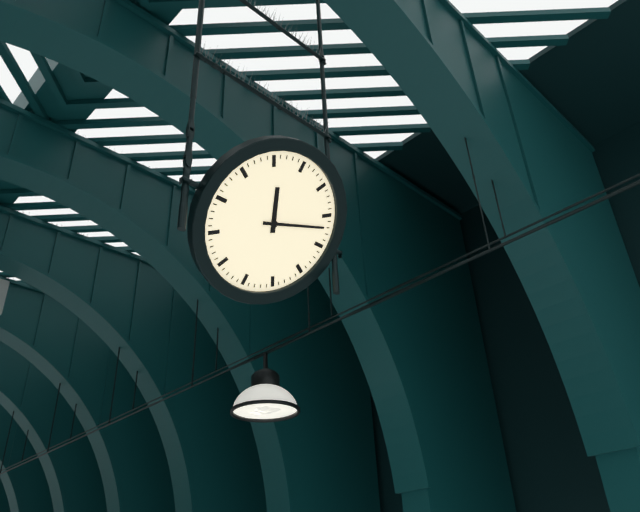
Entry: **11:12**
